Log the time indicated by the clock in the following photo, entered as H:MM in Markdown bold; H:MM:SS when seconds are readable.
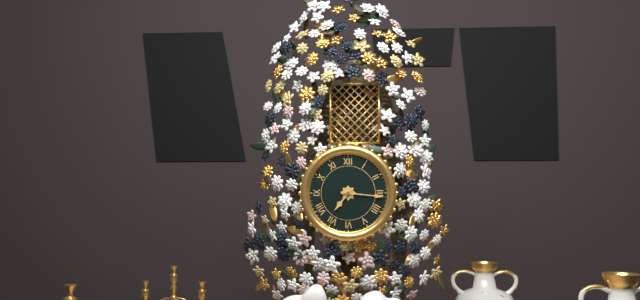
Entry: **7:16**
